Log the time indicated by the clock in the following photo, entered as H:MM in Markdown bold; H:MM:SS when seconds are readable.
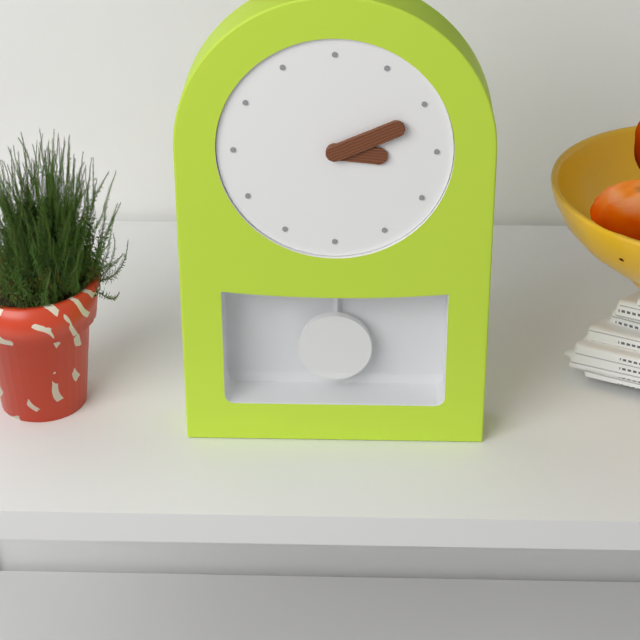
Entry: **3:11**
